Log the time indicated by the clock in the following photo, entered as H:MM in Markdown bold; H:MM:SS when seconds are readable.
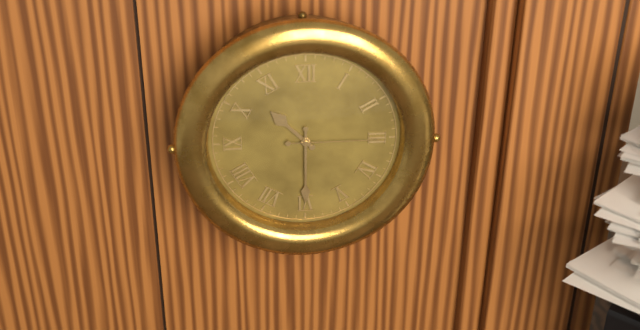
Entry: **10:30:15**
